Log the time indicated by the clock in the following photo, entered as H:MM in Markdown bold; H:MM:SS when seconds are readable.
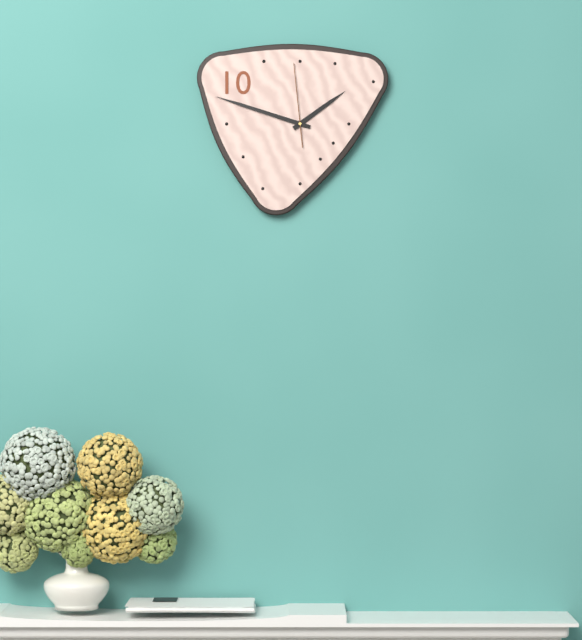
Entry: **1:48:59**
